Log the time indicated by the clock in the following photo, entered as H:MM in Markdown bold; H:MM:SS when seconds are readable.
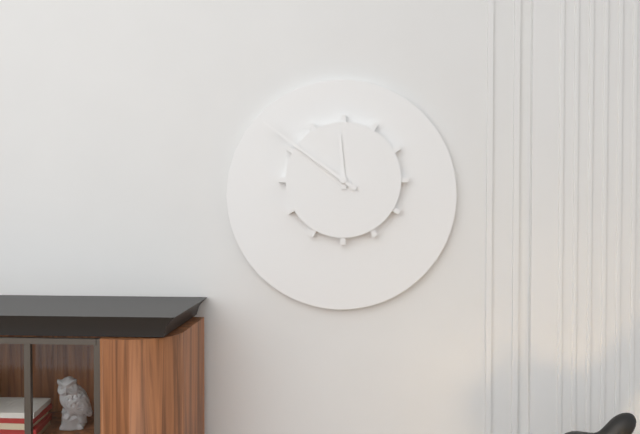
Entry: **11:51**
